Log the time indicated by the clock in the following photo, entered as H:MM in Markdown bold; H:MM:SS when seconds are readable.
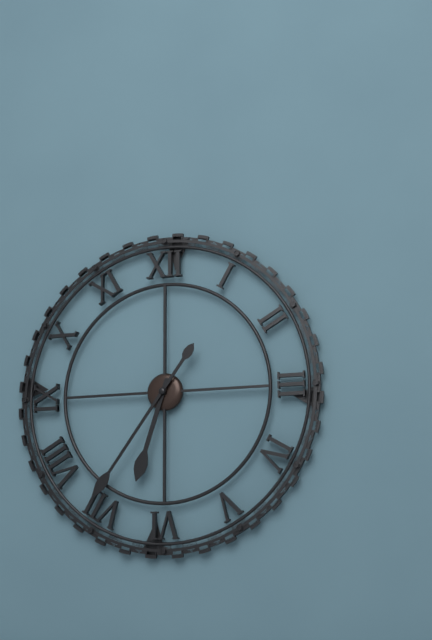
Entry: **6:36**
